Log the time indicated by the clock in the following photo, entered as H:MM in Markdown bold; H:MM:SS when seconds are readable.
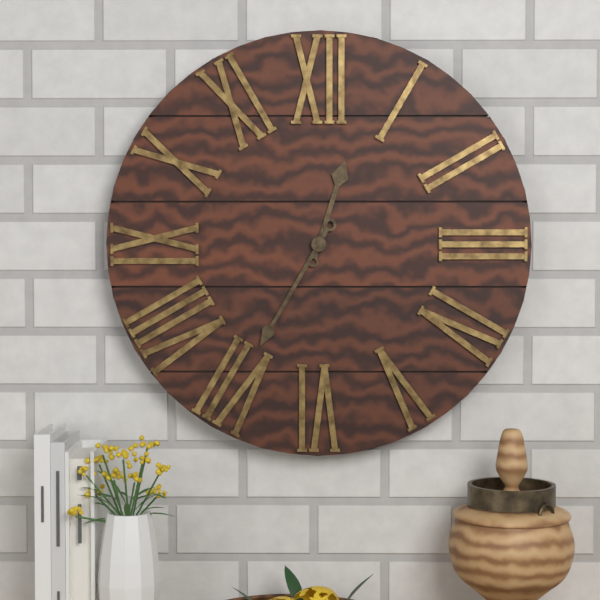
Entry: **12:35**
